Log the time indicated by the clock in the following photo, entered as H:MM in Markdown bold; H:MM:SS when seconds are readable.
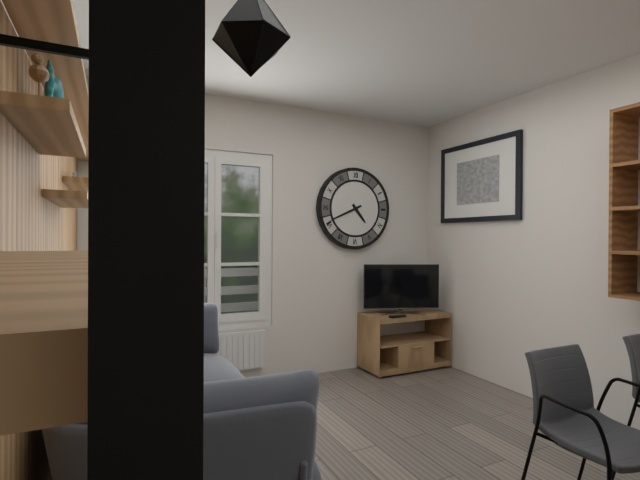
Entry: **4:41**
